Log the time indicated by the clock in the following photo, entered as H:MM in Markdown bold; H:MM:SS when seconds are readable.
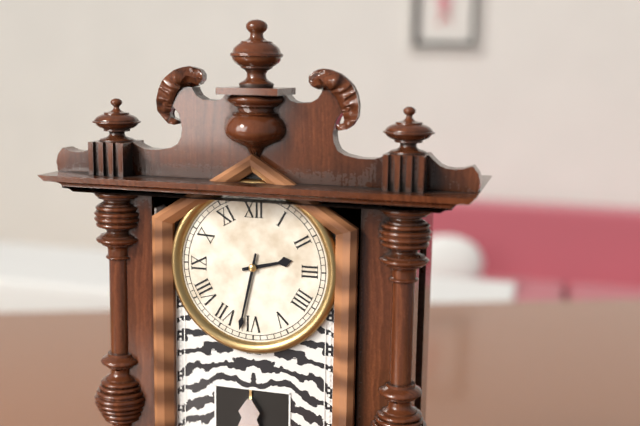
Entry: **2:32**
